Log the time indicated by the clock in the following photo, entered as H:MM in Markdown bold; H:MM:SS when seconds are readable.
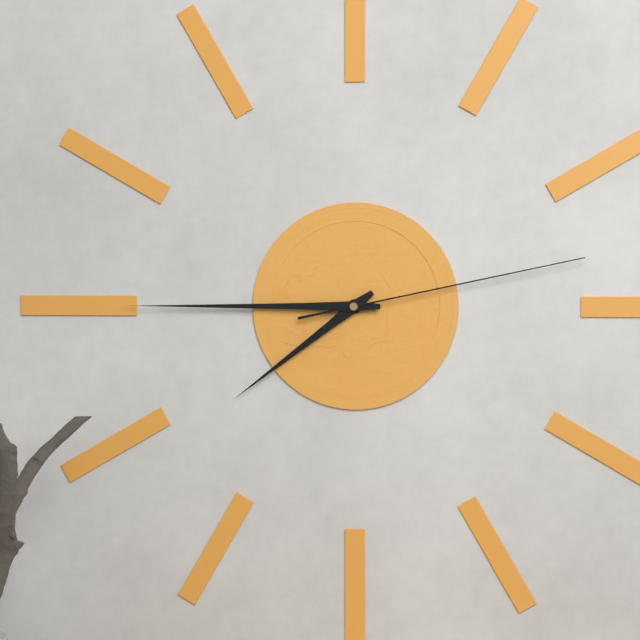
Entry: **7:45:13**
